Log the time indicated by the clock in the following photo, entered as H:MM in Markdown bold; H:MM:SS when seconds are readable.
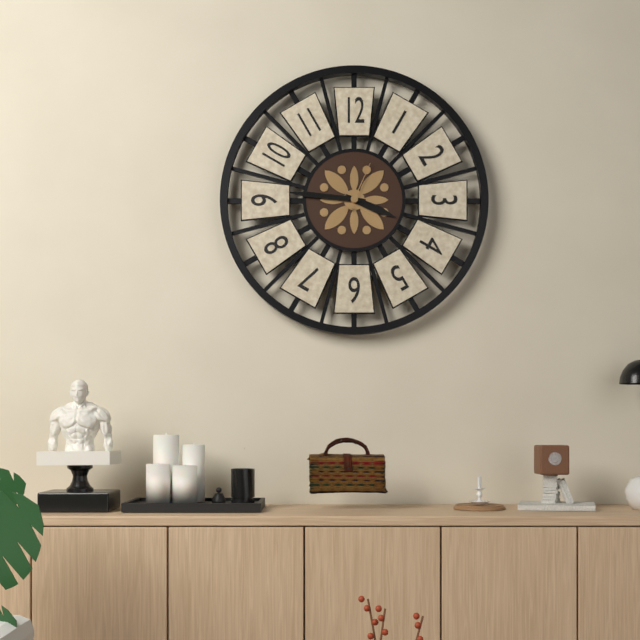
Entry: **3:46:04**
